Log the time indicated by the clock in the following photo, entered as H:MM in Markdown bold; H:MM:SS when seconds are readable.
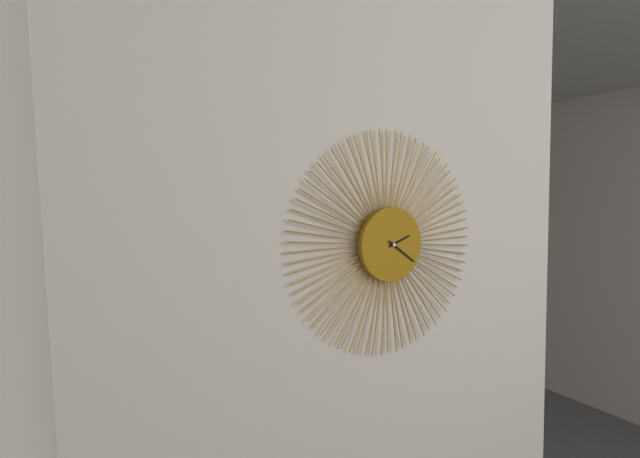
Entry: **2:21**
